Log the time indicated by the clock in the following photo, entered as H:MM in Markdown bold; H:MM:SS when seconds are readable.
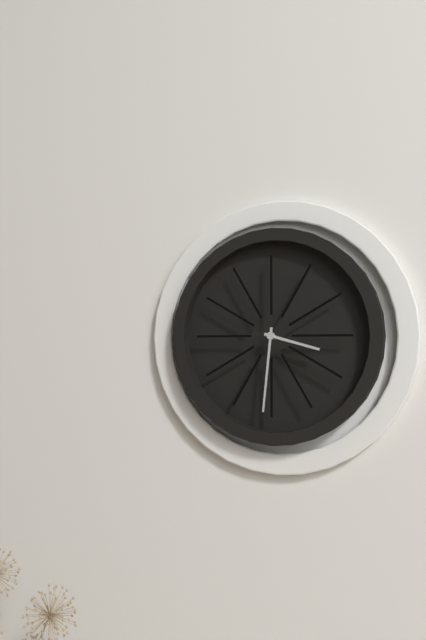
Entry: **3:31**
